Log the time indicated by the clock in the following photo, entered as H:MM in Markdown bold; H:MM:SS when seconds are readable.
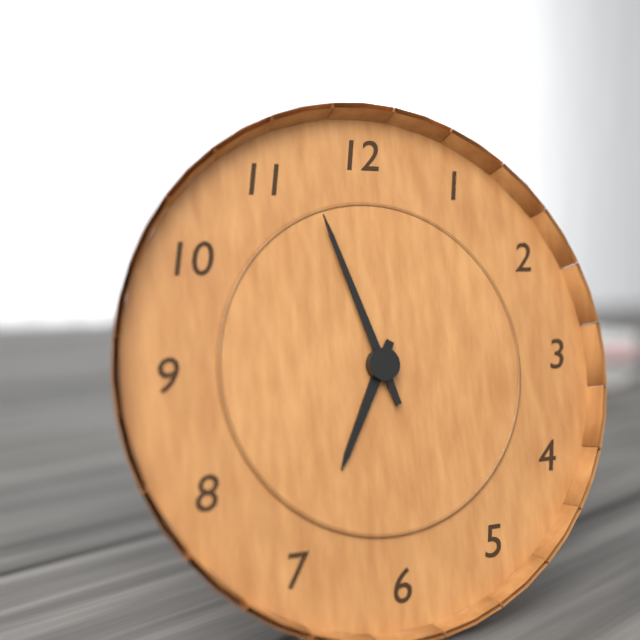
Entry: **6:57**
